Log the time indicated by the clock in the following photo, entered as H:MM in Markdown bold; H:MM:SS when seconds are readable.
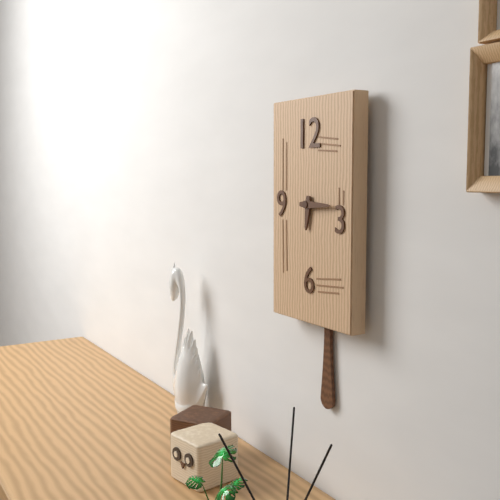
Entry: **6:15**
